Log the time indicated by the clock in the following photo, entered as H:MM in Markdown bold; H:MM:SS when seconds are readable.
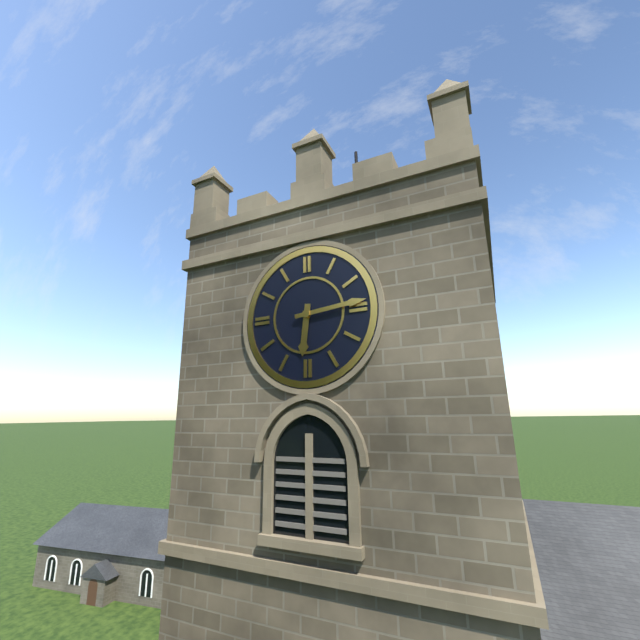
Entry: **6:14**
